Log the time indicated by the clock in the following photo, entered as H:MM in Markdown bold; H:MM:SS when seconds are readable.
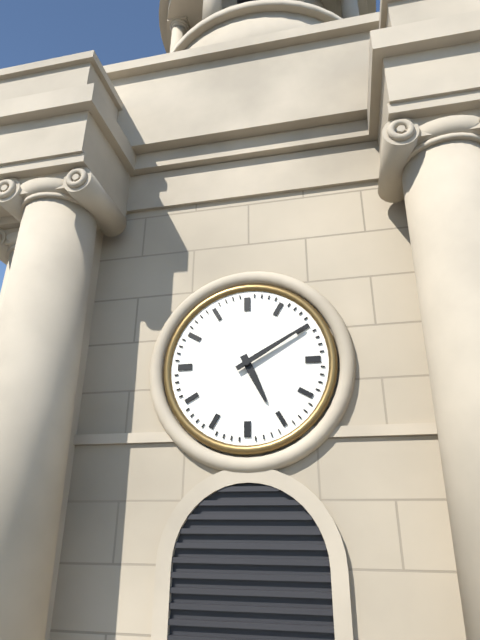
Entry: **5:10**
